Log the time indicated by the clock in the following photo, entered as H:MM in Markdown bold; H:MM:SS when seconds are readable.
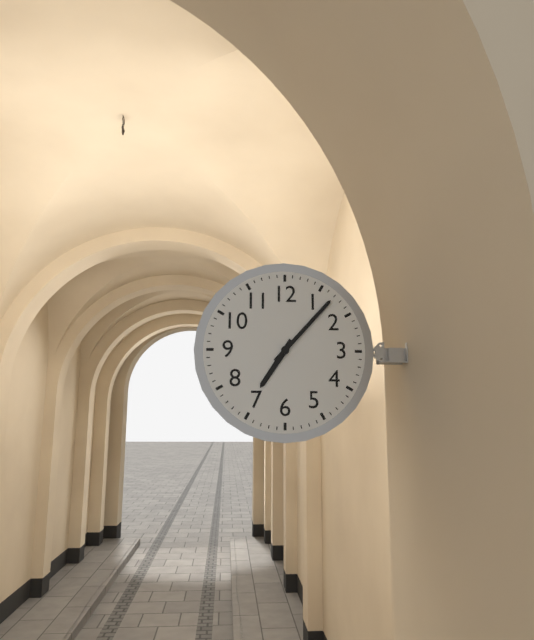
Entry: **7:07**
